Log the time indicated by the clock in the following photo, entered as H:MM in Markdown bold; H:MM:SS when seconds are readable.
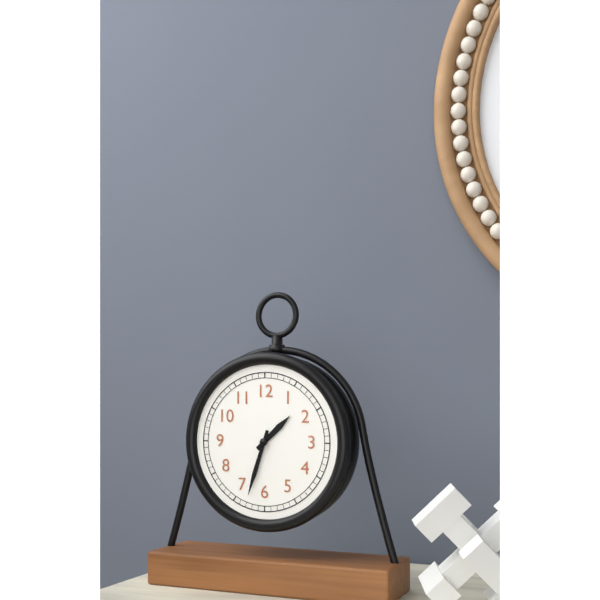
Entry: **1:33**
